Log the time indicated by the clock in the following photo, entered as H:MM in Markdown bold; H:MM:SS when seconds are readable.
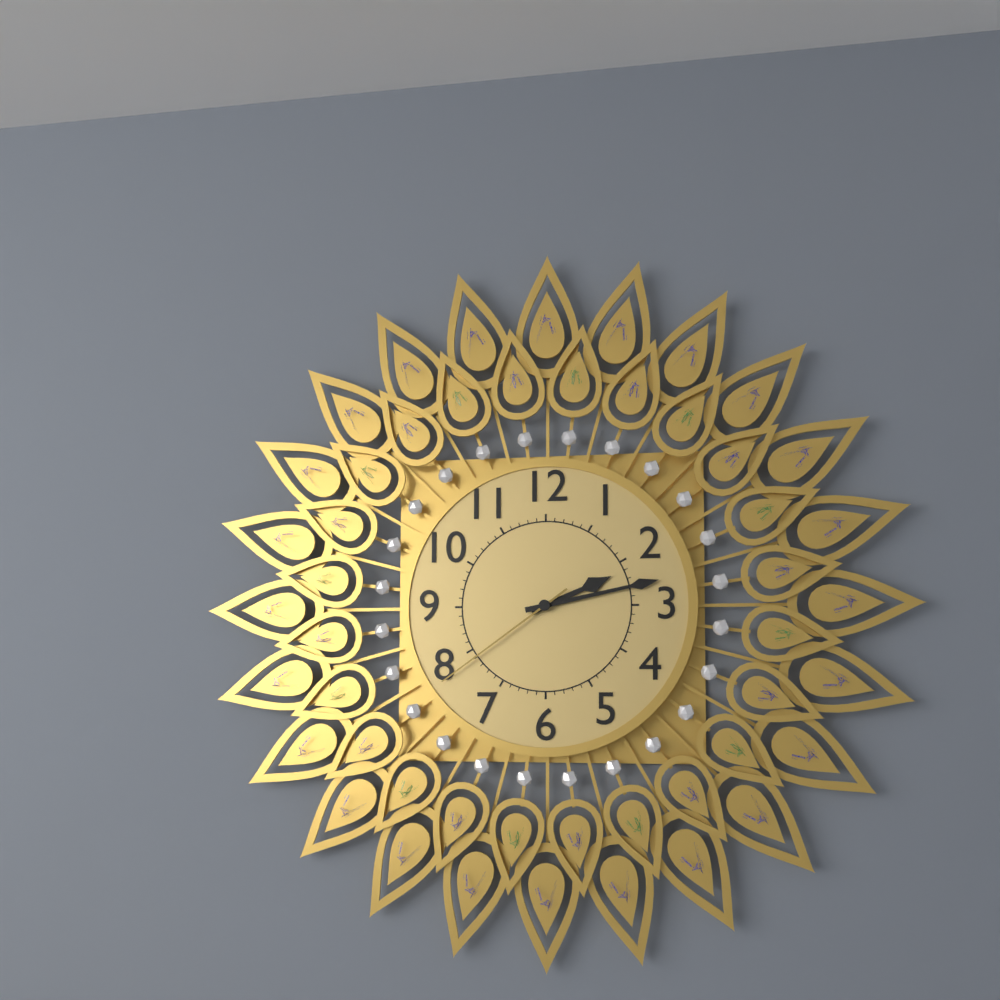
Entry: **2:13:39**
